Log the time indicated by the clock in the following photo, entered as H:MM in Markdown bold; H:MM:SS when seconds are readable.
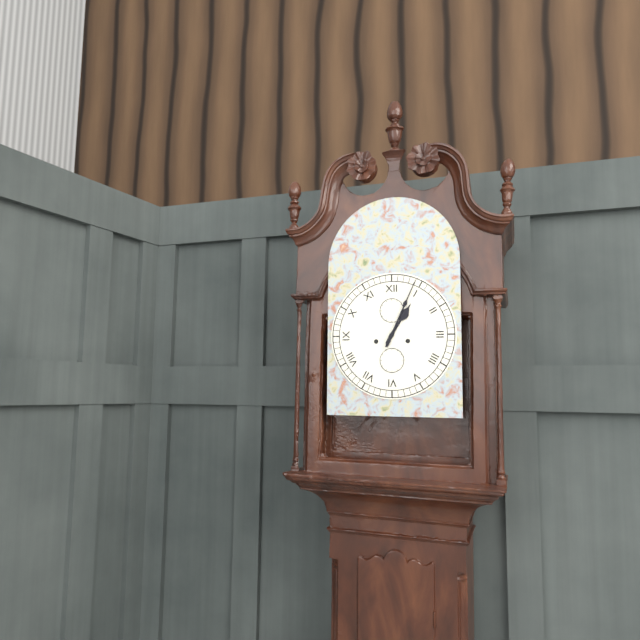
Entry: **1:04**
